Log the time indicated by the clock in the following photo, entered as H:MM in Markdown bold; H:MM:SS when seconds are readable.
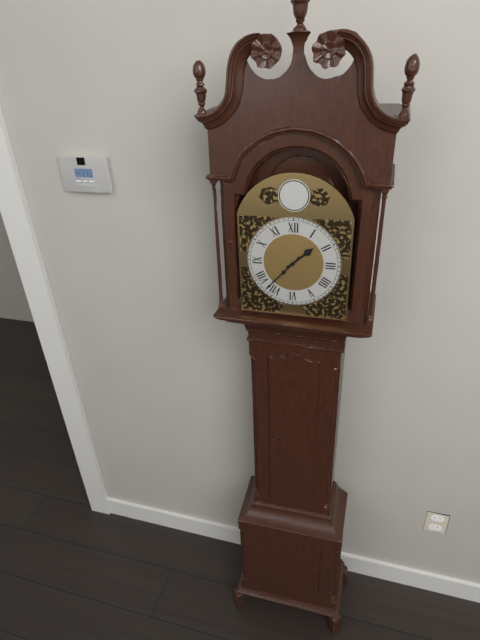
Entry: **1:37**
